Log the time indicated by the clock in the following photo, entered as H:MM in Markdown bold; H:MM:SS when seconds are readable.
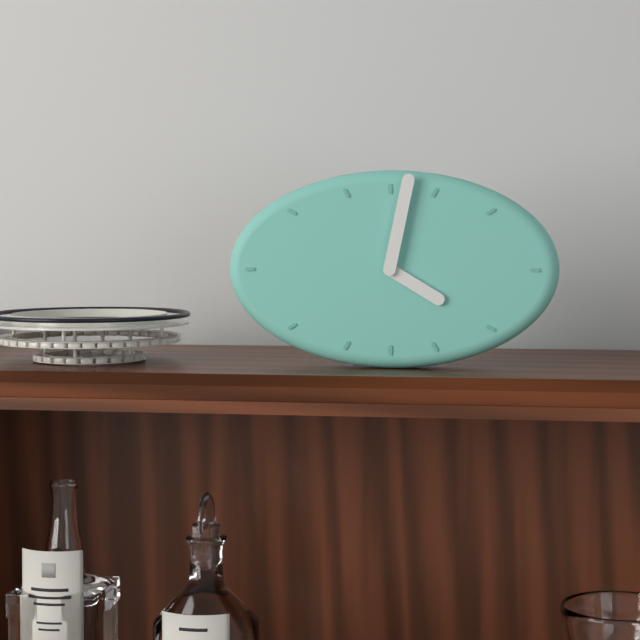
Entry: **4:02**
